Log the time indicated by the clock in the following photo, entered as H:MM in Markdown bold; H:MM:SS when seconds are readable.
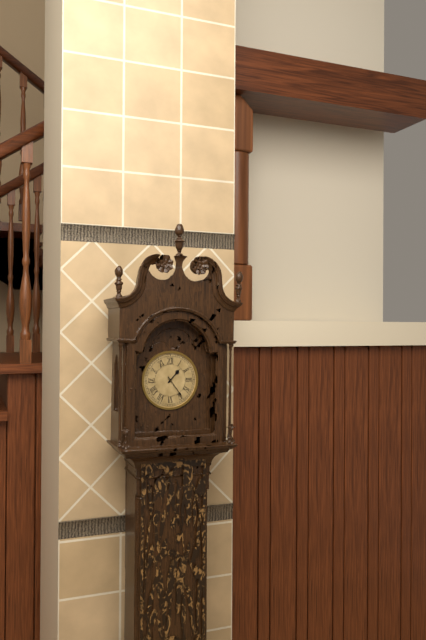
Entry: **1:24**
